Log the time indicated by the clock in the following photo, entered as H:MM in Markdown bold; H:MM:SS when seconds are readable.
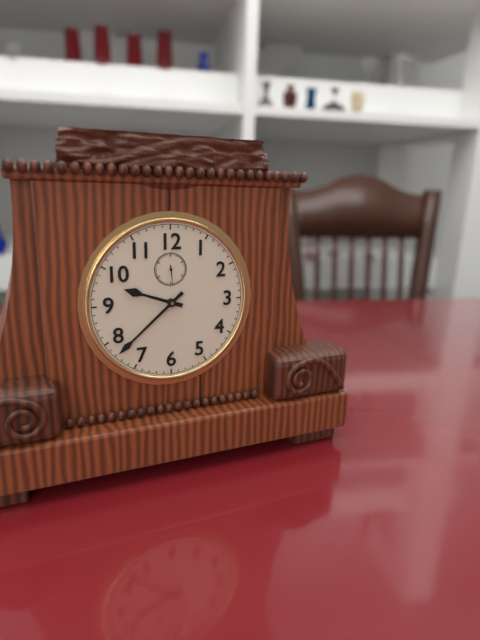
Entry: **9:38**
